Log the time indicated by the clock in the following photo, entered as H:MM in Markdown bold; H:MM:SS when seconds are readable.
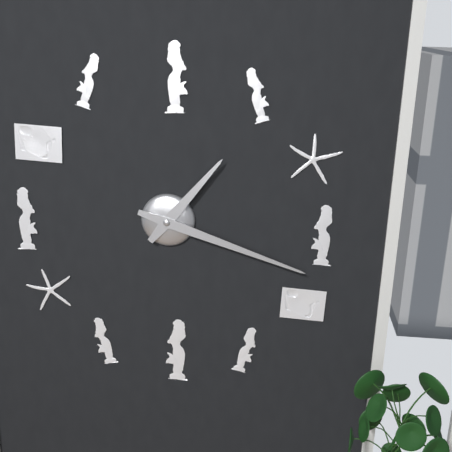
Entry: **1:18**
